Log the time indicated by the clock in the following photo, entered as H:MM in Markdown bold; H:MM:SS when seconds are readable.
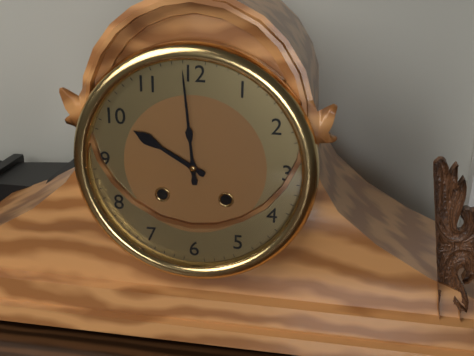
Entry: **9:59**
